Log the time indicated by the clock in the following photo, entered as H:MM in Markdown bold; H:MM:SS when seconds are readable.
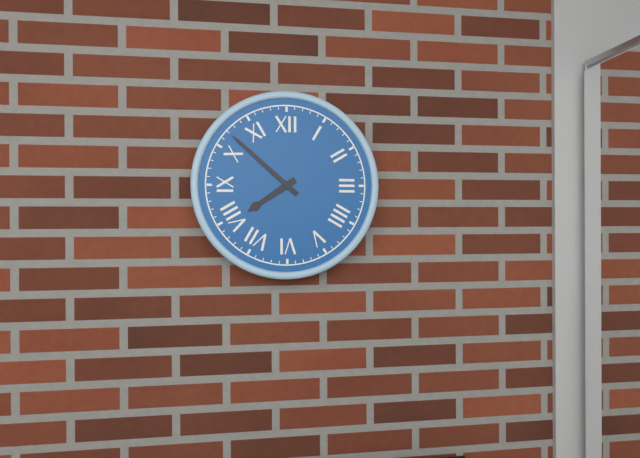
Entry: **7:52**
